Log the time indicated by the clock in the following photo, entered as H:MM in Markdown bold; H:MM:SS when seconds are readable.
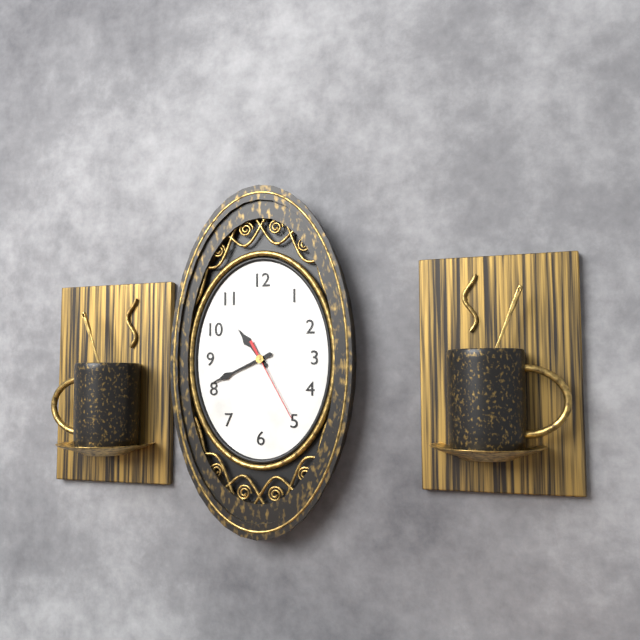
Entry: **10:41:25**
